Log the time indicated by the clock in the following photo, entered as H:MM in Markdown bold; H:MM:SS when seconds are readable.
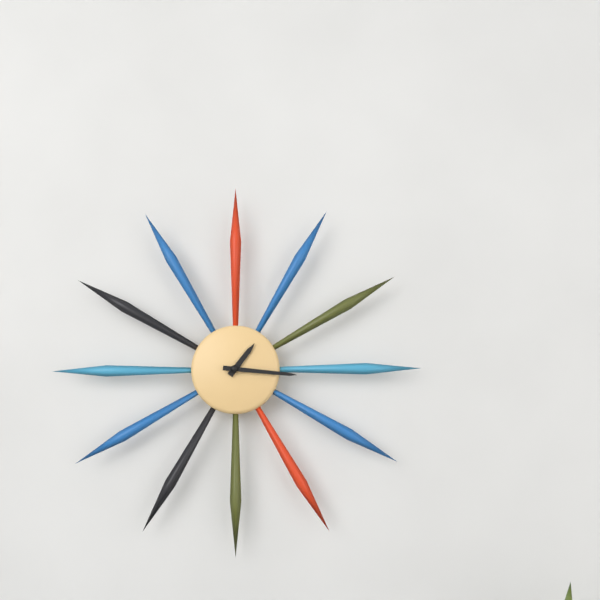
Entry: **1:16**
